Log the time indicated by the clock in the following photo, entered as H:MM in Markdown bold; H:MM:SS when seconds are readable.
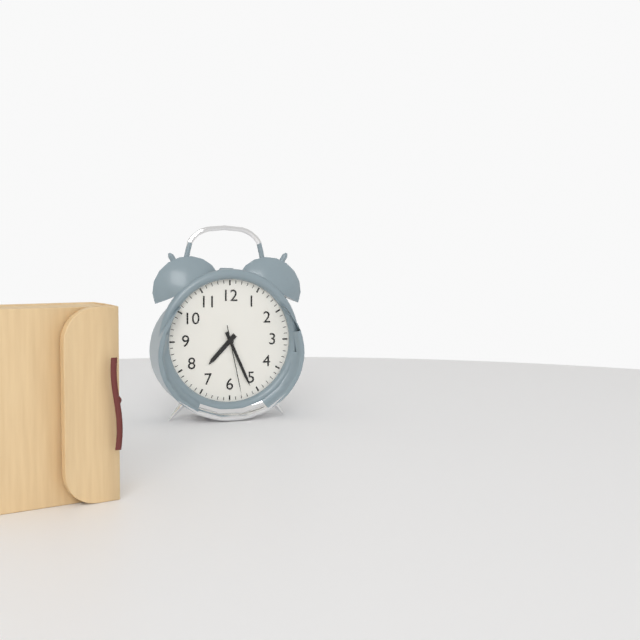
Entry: **7:26:28**
